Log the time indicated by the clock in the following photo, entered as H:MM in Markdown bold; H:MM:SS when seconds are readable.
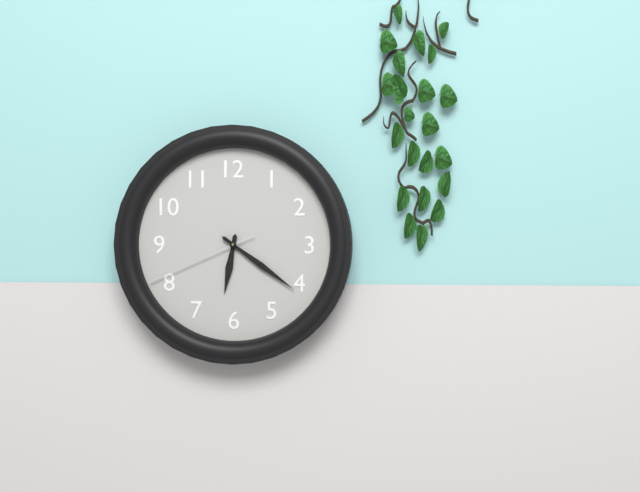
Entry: **6:21:41**
